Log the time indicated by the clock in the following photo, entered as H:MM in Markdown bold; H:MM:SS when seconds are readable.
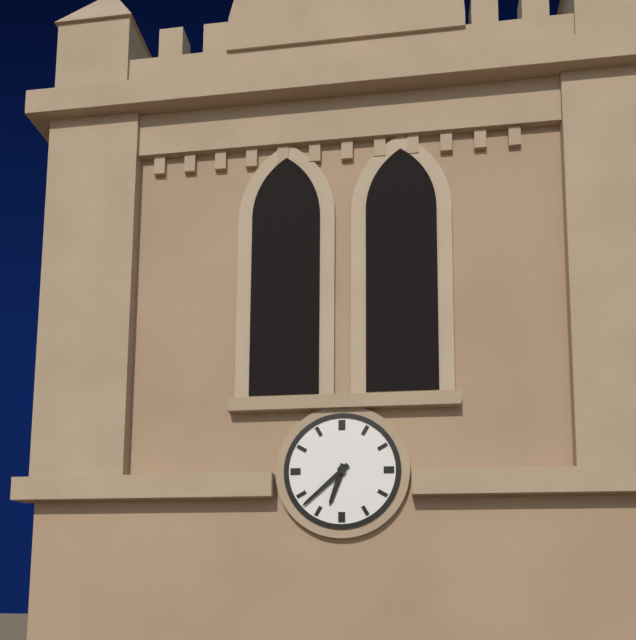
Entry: **6:38**
